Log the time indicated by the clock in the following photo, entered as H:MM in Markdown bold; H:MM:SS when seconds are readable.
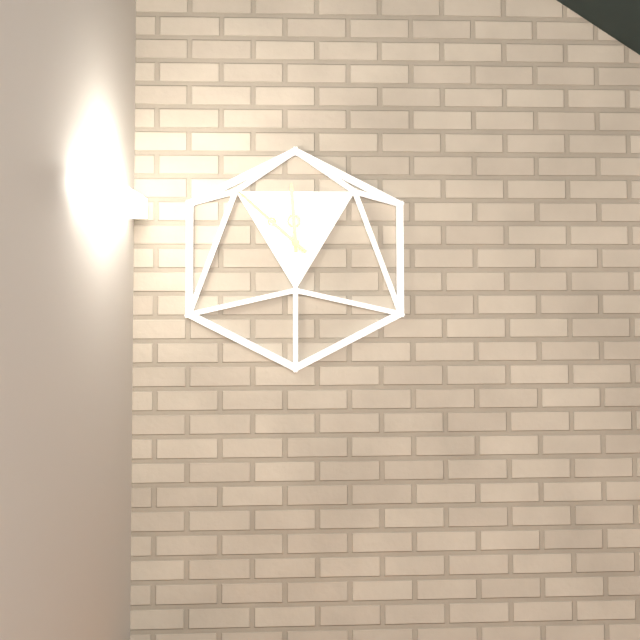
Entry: **11:52**
